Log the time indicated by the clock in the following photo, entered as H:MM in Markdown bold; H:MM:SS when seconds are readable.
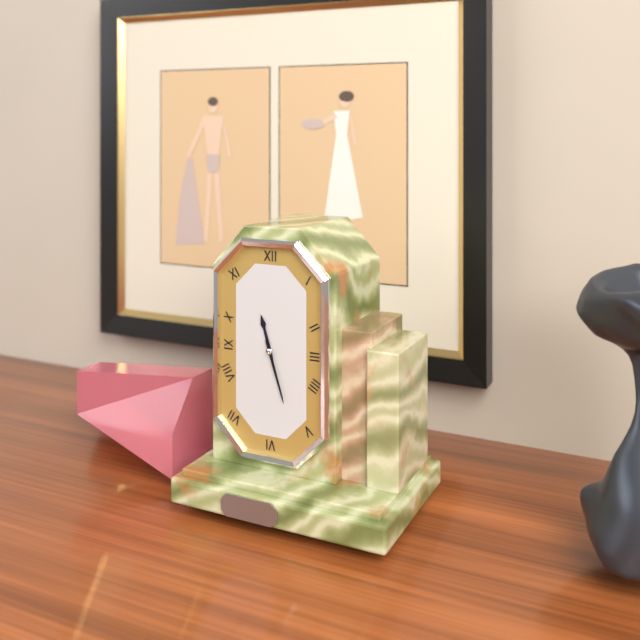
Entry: **11:27**
